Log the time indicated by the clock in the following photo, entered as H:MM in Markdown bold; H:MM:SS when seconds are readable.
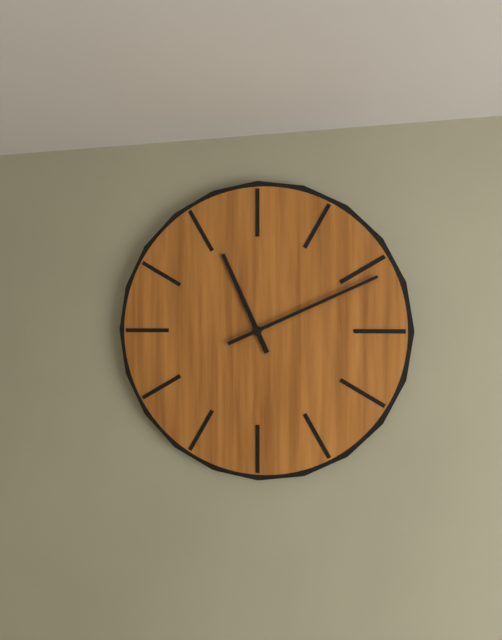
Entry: **11:11**
